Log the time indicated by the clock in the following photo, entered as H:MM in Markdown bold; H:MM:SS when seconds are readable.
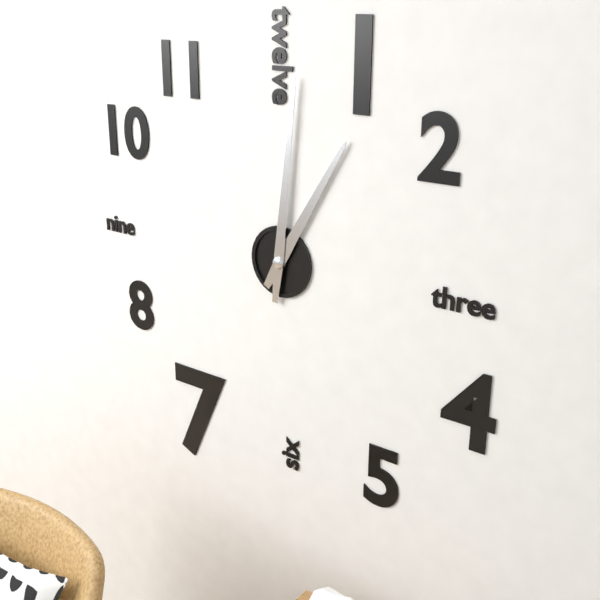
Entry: **1:01**
